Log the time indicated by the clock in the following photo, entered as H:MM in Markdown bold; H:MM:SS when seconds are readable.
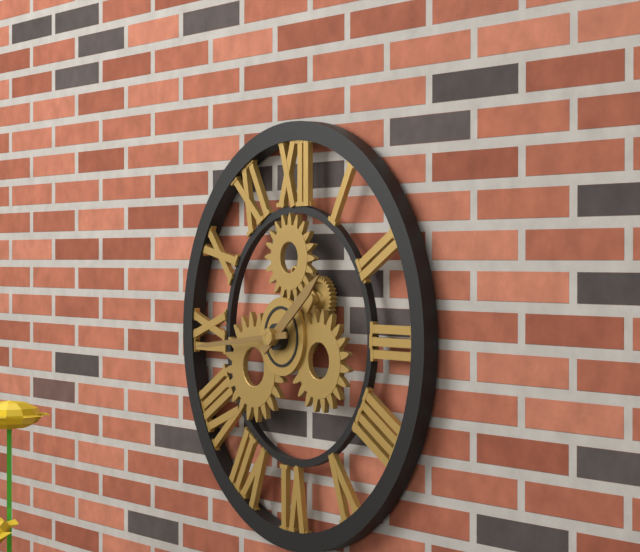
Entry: **1:44**
